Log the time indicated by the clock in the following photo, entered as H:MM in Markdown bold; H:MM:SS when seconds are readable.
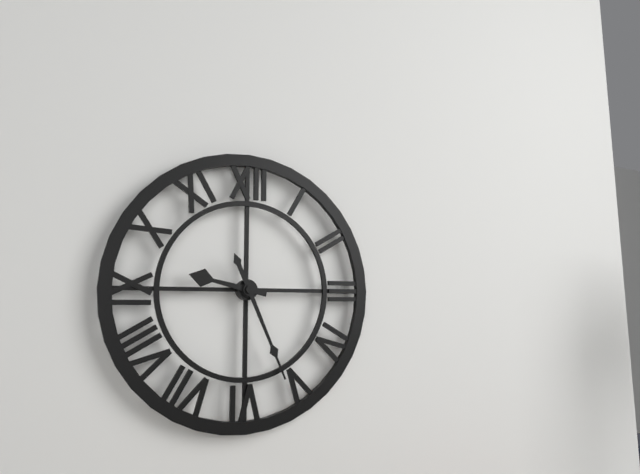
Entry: **9:26**
